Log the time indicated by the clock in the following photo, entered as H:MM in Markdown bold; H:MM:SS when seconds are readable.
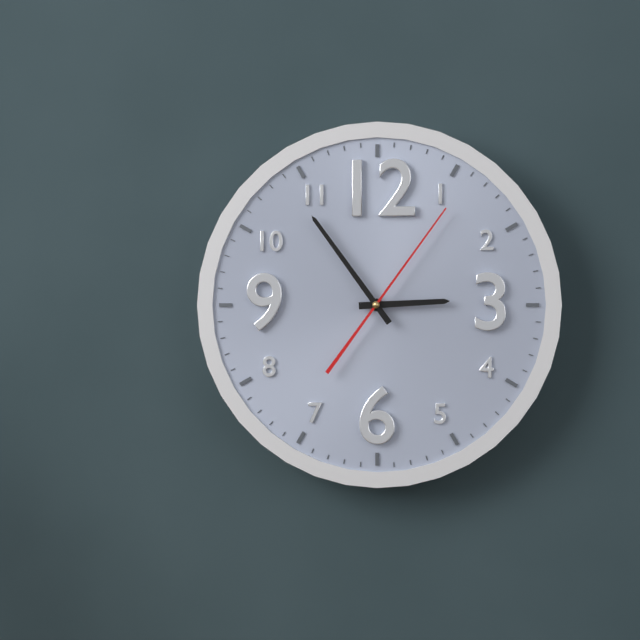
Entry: **2:54:06**
